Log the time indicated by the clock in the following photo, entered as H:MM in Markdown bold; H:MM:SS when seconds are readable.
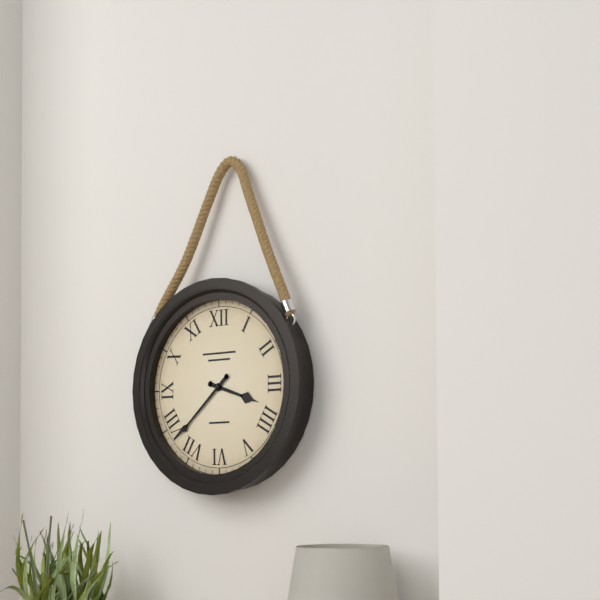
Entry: **3:38**
